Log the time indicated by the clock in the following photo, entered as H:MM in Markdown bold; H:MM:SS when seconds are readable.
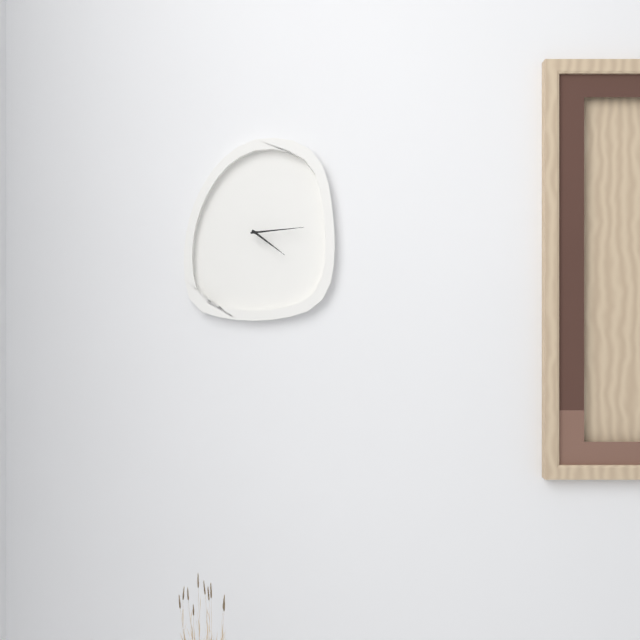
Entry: **4:14**
